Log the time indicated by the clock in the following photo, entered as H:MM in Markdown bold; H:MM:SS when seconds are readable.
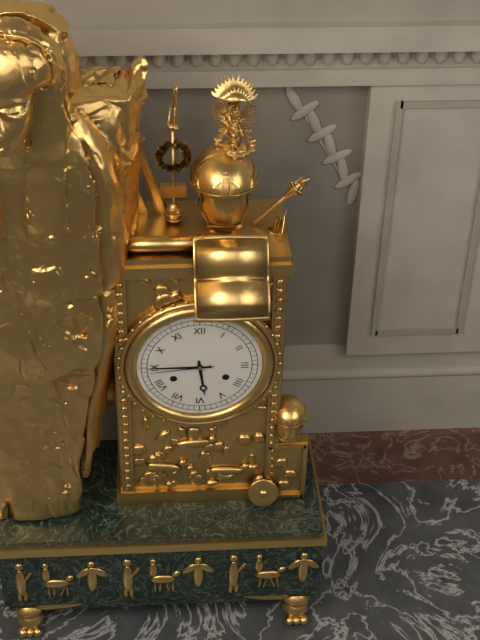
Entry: **5:45:44**
